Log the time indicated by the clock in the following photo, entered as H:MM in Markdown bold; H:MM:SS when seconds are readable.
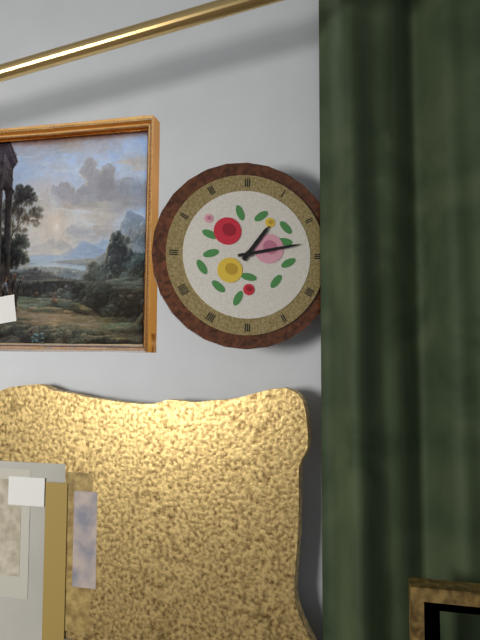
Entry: **1:13**
